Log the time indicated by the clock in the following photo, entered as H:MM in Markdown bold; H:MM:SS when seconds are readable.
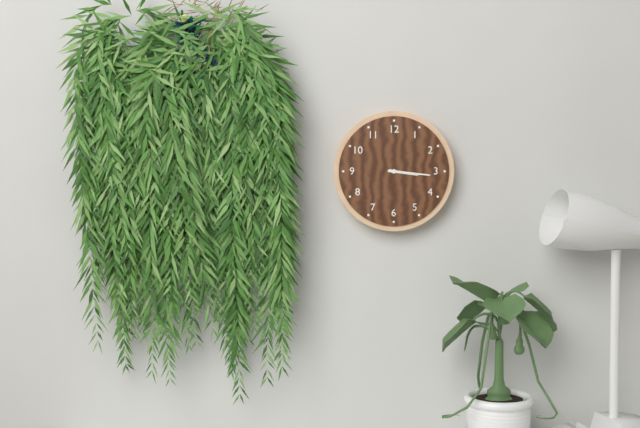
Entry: **3:16**
